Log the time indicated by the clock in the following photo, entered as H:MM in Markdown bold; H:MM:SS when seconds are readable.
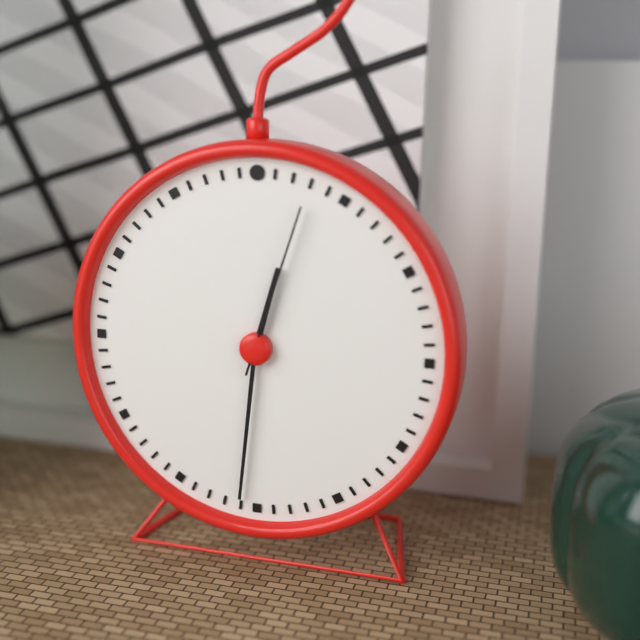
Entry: **12:31:03**
